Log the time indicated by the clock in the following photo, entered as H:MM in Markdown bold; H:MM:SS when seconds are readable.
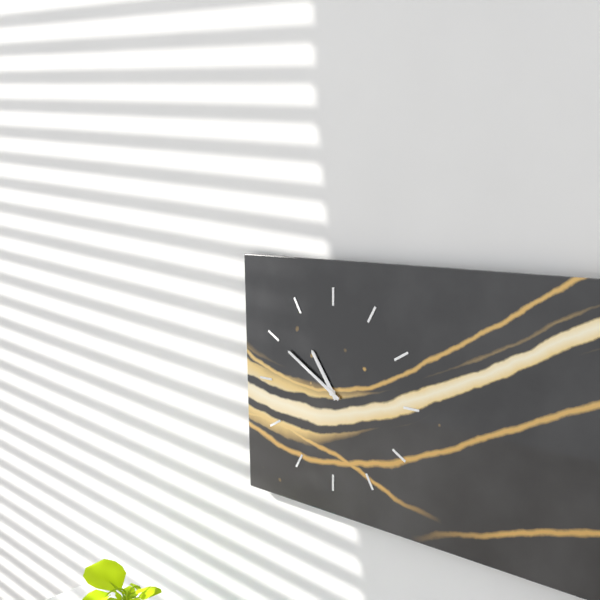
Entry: **10:50**
